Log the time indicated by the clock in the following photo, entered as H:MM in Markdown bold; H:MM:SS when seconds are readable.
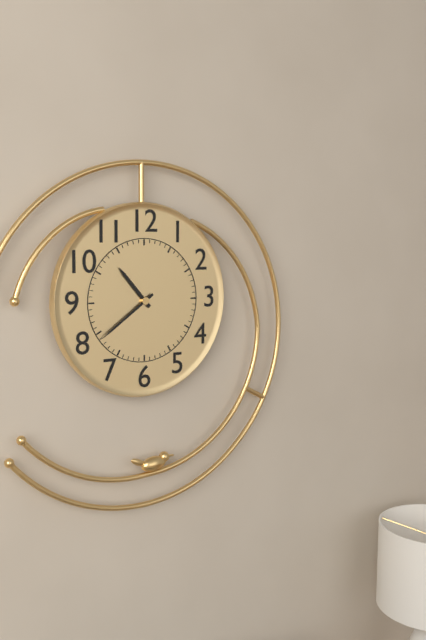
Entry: **10:39**
